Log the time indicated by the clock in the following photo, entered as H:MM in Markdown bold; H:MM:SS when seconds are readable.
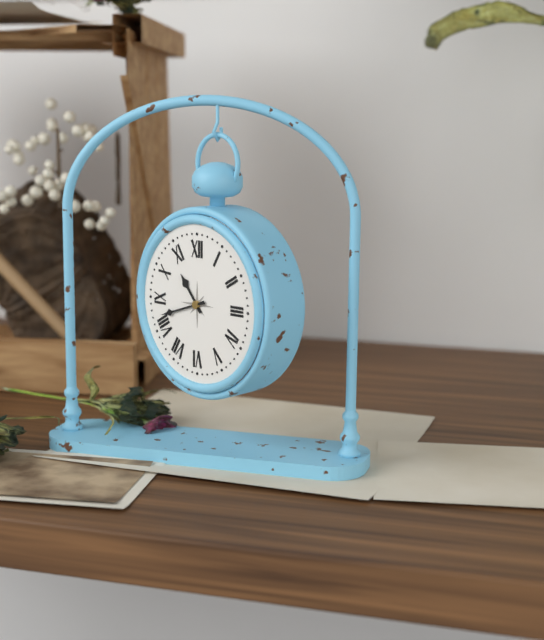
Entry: **10:42**
